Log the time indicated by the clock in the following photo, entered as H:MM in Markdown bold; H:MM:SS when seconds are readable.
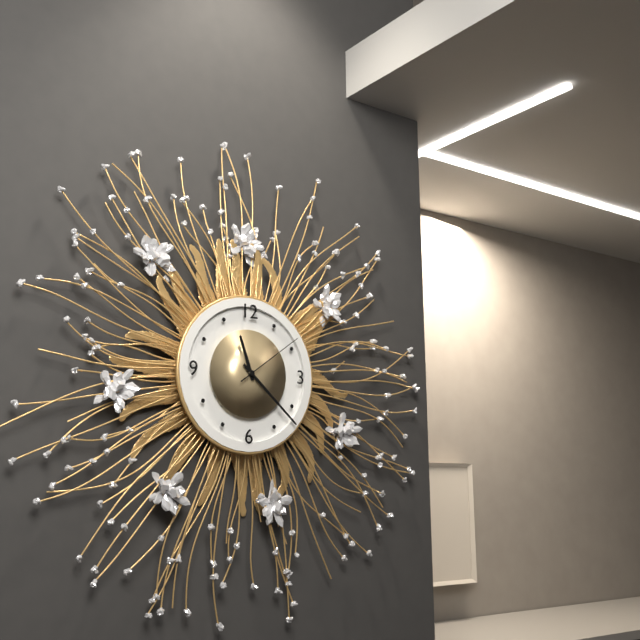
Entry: **11:22:09**
